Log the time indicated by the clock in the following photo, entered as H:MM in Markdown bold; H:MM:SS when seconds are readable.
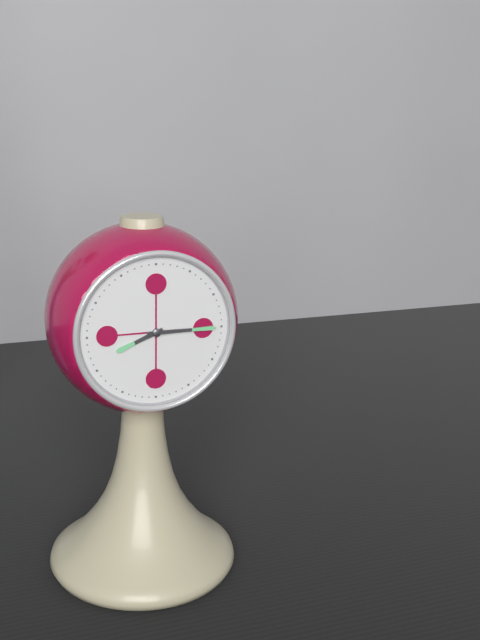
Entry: **8:15**
